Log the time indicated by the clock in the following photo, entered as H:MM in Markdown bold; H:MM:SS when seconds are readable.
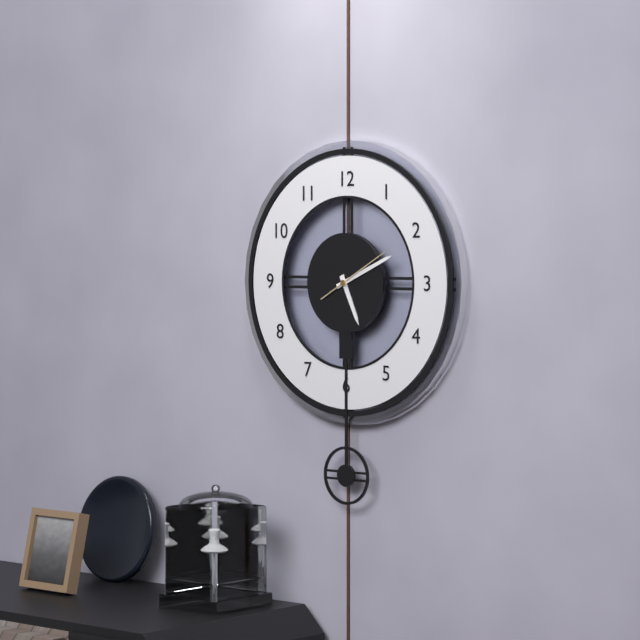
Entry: **5:11:10**
